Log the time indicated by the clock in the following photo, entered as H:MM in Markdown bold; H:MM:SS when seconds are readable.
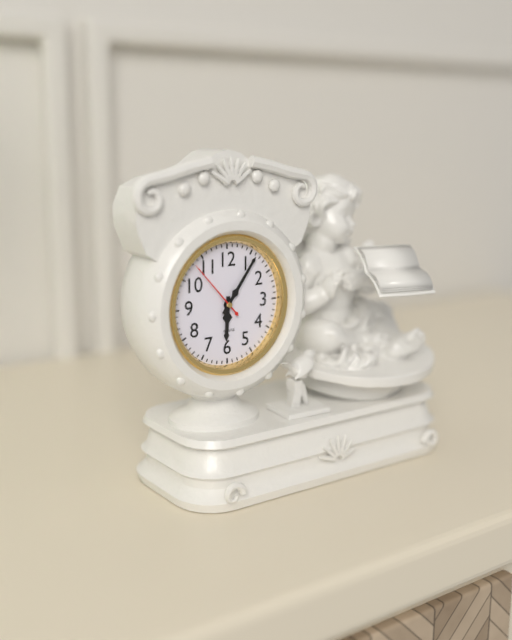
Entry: **6:06:53**
